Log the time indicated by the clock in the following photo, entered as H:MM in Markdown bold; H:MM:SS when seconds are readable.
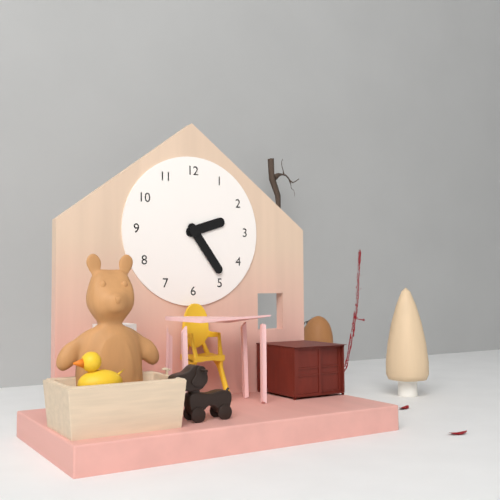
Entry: **2:24**
